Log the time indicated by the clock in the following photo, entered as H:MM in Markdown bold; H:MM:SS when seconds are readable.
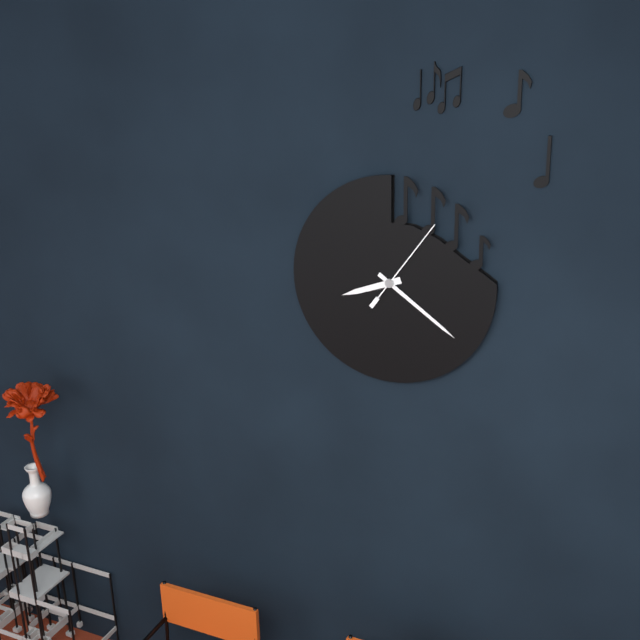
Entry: **8:21:06**
